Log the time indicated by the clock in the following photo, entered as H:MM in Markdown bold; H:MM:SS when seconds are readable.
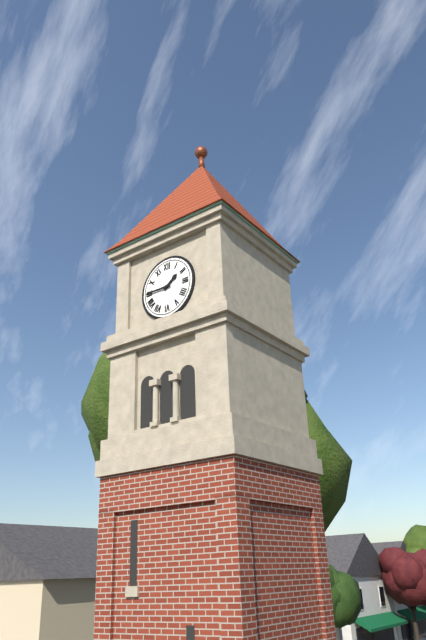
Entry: **1:45**
